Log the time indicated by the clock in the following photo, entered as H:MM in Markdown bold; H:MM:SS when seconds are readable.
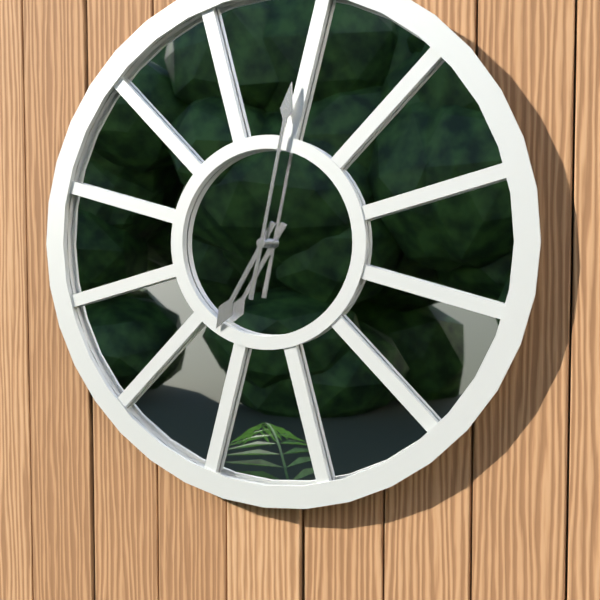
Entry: **7:02**
